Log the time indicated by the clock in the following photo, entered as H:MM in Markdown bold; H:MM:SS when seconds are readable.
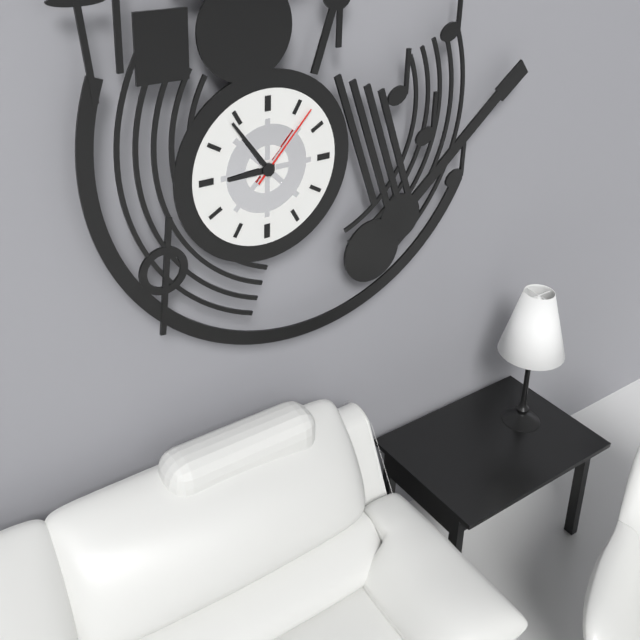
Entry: **8:54:07**
